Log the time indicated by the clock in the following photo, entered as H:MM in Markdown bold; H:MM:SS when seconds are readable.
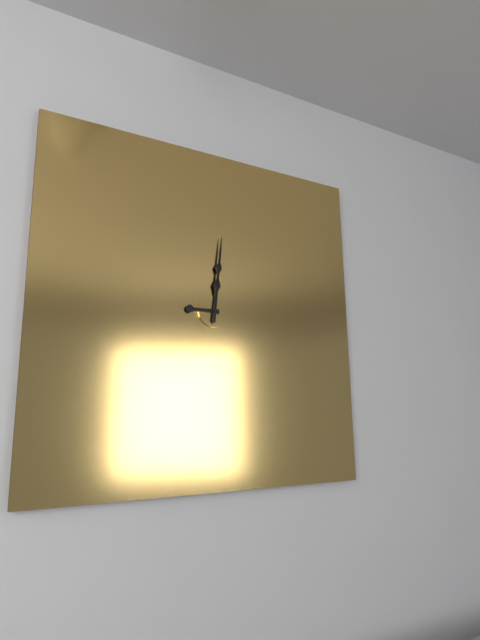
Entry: **9:01**
